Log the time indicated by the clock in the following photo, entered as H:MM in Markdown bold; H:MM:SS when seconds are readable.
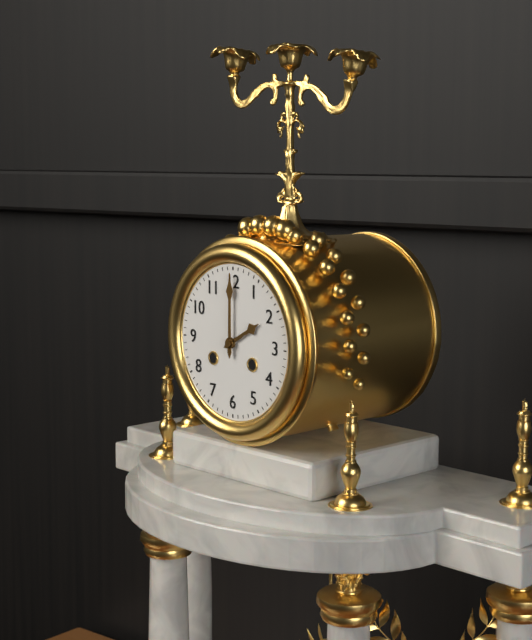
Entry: **2:00**
